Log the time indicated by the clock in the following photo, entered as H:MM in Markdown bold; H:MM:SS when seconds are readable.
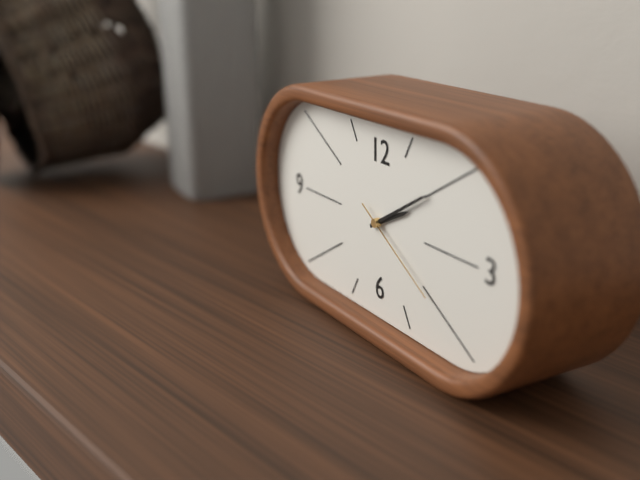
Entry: **2:10:20**
